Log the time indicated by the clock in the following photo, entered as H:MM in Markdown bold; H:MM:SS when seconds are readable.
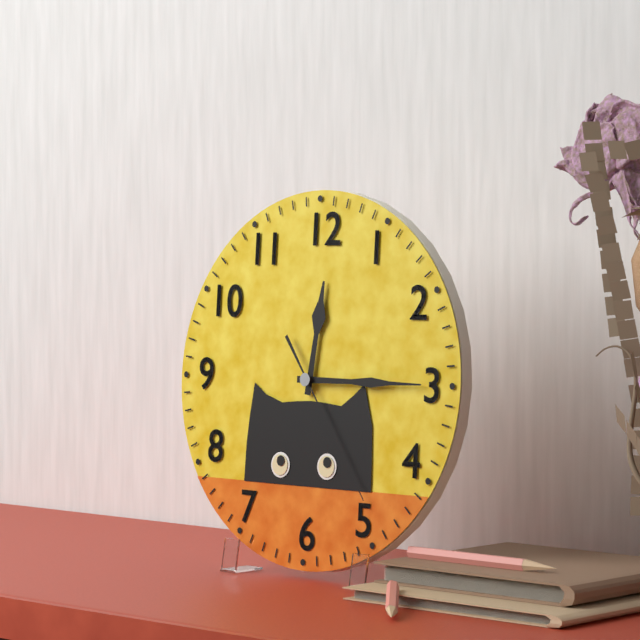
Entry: **12:15:24**
